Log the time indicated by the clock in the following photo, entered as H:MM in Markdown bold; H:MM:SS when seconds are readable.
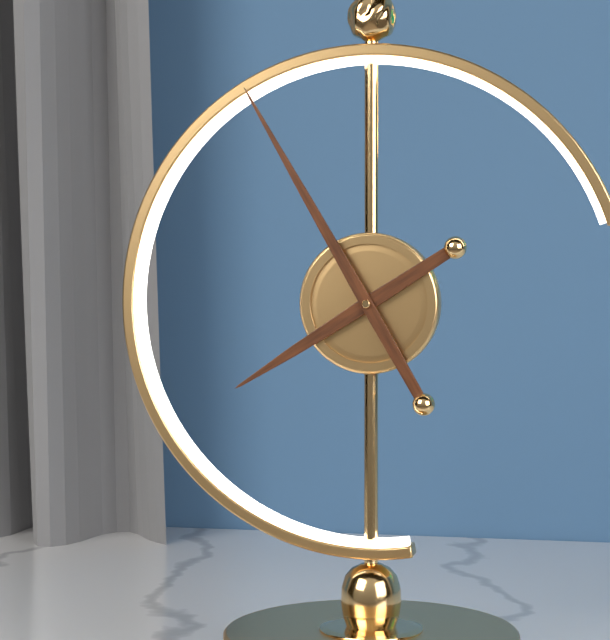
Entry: **7:55**
